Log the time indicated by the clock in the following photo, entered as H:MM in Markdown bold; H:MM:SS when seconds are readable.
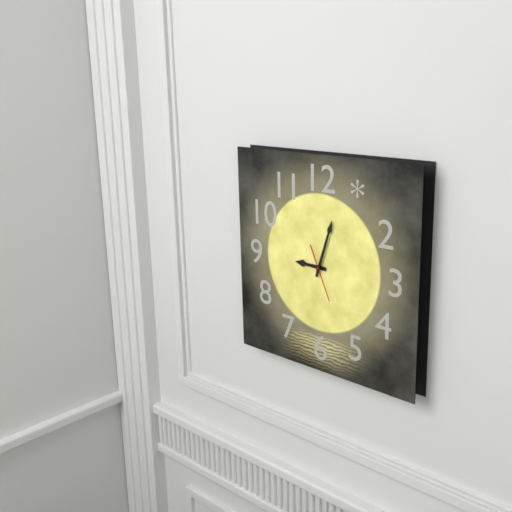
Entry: **9:03**
